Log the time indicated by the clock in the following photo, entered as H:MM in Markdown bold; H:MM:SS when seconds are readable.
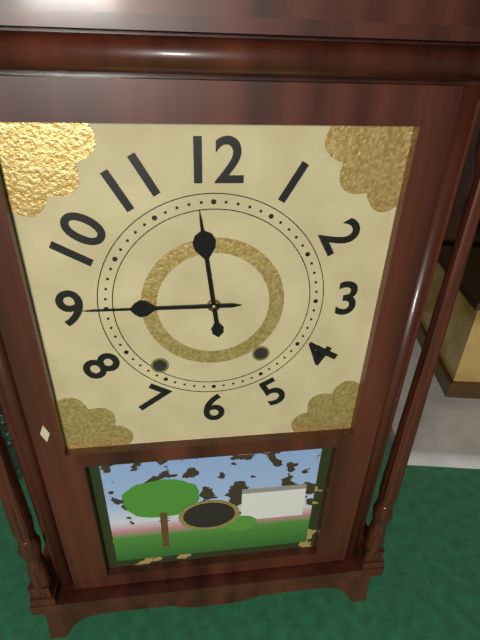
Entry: **11:45**
